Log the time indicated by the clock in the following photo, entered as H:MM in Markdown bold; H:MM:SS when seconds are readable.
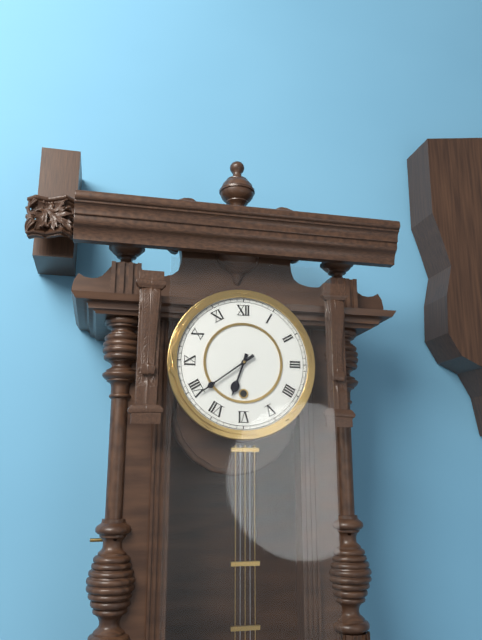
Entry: **6:39**
